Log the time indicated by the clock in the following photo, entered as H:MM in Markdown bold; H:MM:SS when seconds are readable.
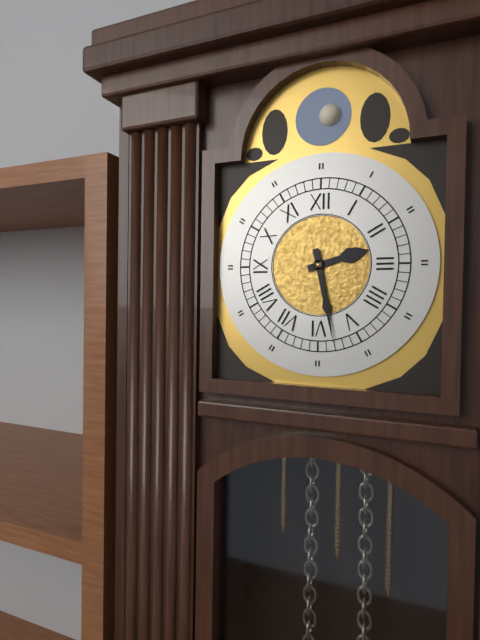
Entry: **2:28**
